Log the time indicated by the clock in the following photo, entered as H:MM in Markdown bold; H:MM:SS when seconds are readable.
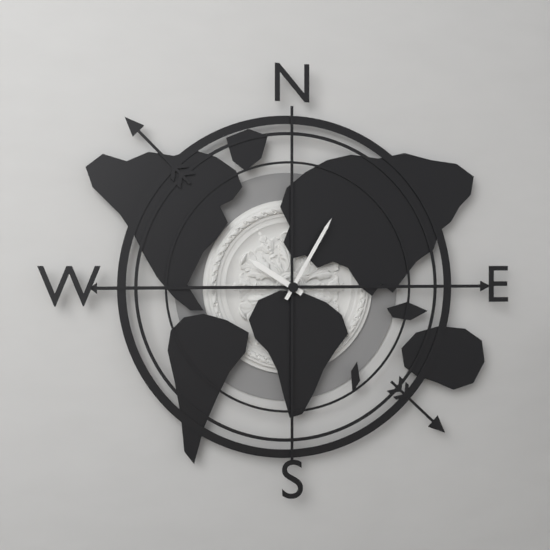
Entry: **10:05**
